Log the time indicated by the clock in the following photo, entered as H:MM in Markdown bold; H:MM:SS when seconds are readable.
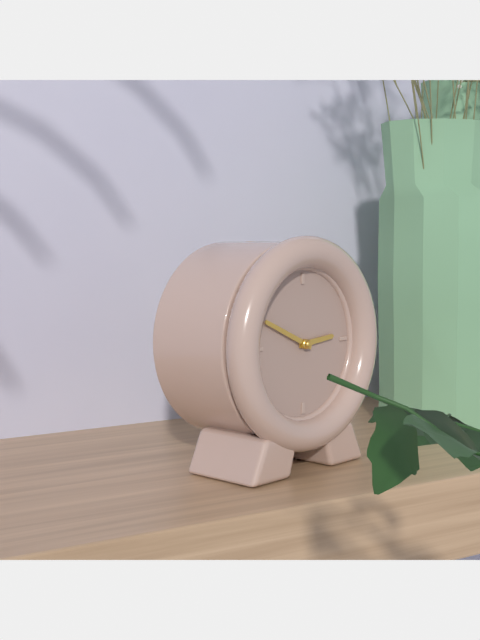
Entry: **2:49**
